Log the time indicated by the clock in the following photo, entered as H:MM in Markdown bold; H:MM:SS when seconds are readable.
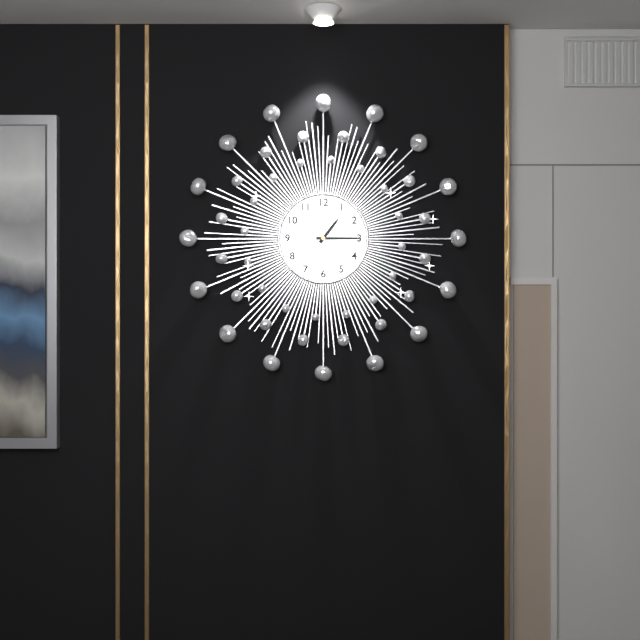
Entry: **1:15**
